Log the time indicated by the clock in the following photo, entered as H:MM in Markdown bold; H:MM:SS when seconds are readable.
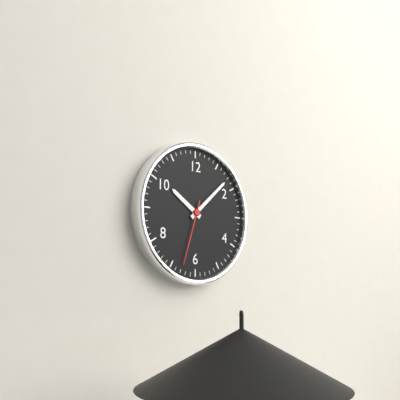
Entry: **10:08:33**
